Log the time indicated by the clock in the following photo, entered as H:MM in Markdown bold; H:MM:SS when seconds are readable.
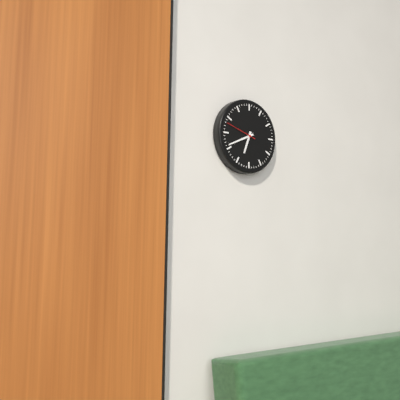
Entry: **6:41**
